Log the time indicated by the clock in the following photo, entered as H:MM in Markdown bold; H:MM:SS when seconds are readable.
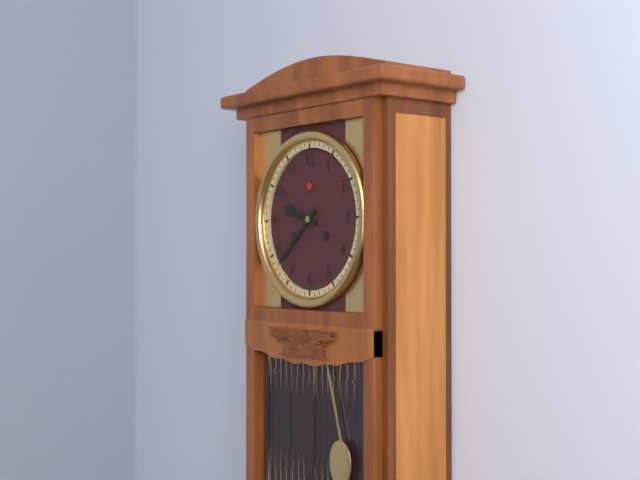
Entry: **9:38**
